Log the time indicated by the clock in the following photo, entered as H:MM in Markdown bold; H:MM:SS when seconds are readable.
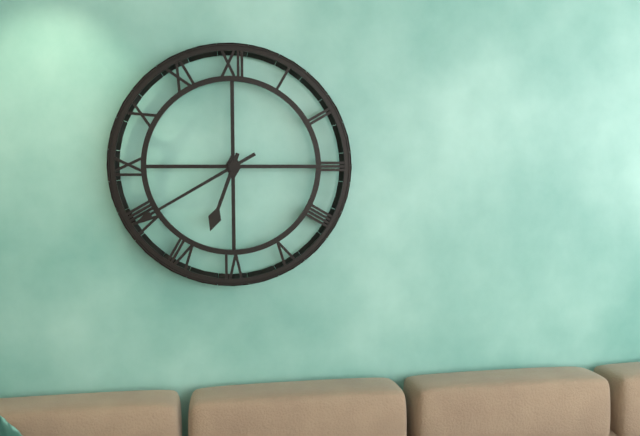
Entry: **6:40**
